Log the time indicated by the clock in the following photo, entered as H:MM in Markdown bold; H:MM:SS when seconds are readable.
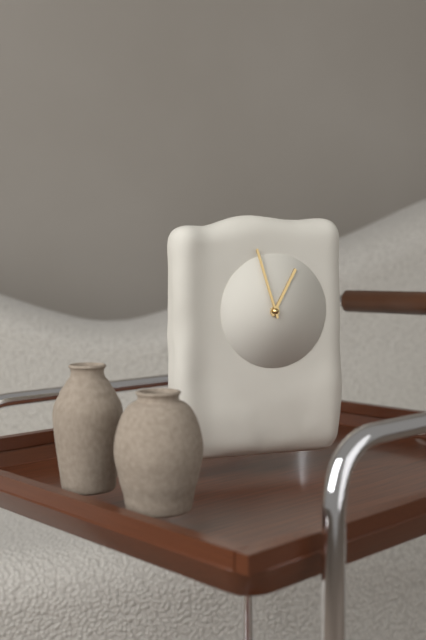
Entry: **12:57**
